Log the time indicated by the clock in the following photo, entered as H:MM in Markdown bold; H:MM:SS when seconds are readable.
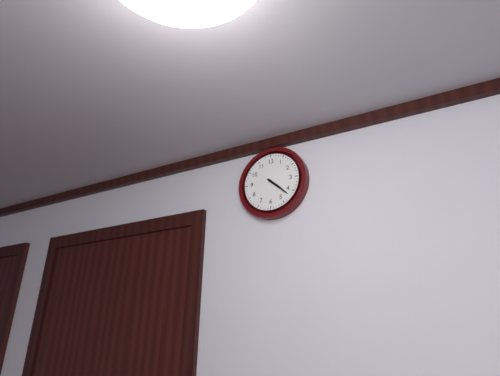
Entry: **4:22**
